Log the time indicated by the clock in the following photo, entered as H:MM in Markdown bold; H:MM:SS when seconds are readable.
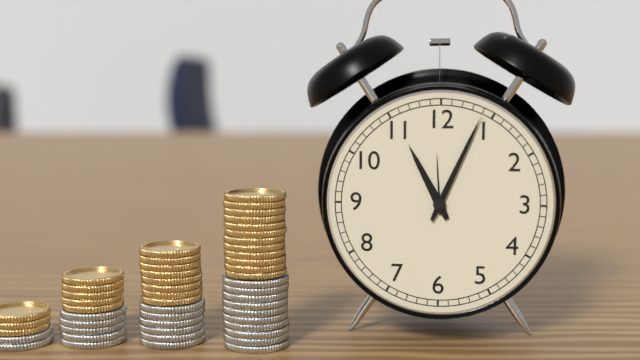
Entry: **11:04**
